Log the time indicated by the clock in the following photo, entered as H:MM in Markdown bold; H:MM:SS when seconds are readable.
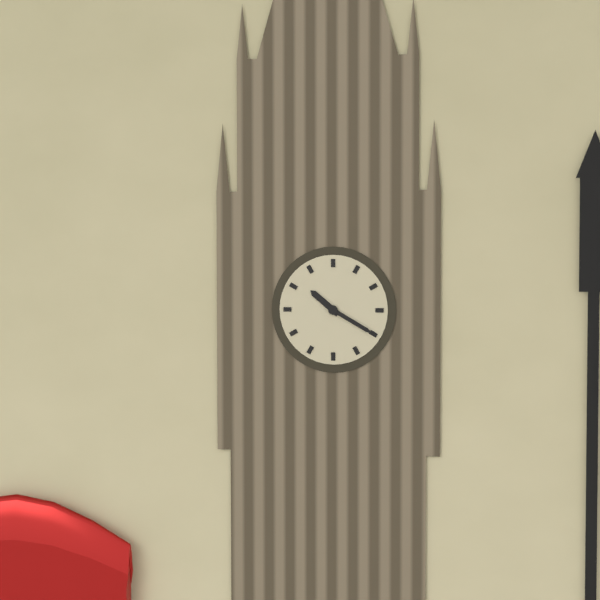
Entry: **10:20**
